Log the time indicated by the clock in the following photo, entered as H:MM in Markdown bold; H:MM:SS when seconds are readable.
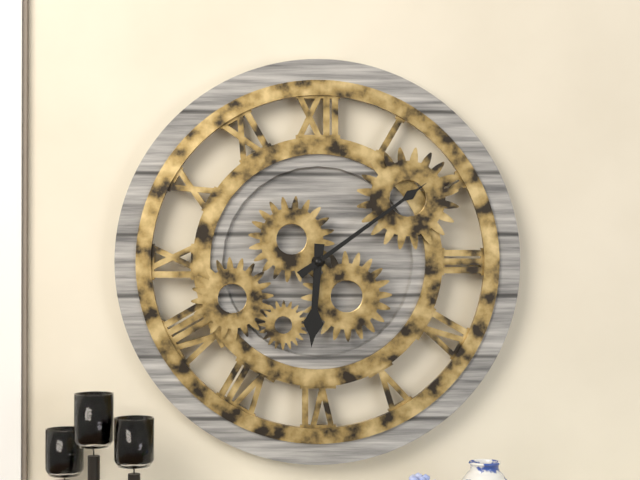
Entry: **6:09**
